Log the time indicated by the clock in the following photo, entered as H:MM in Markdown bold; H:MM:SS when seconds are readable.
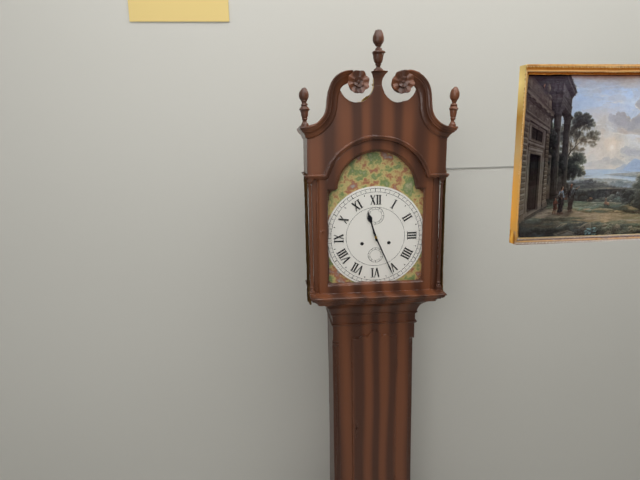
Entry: **11:26**
